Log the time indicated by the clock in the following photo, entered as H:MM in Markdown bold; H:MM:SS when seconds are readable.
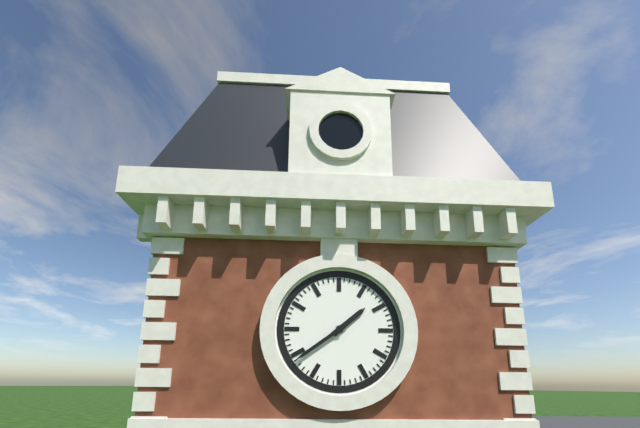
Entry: **1:39**
